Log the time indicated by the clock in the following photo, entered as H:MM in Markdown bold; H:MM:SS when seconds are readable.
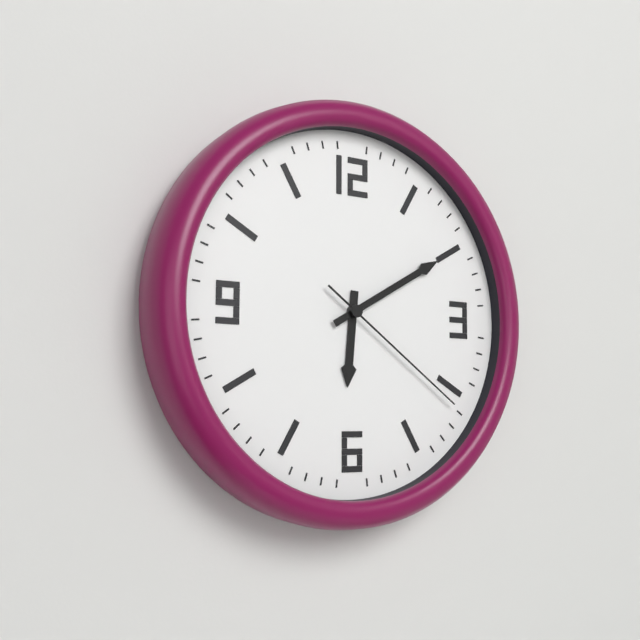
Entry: **6:10:21**
